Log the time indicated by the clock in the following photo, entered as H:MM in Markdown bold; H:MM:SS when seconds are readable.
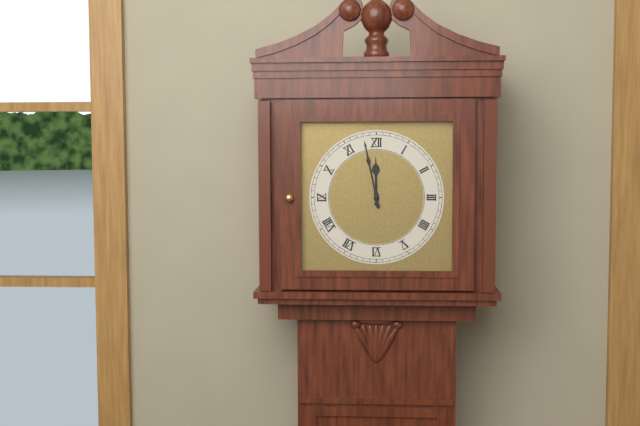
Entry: **11:58**
